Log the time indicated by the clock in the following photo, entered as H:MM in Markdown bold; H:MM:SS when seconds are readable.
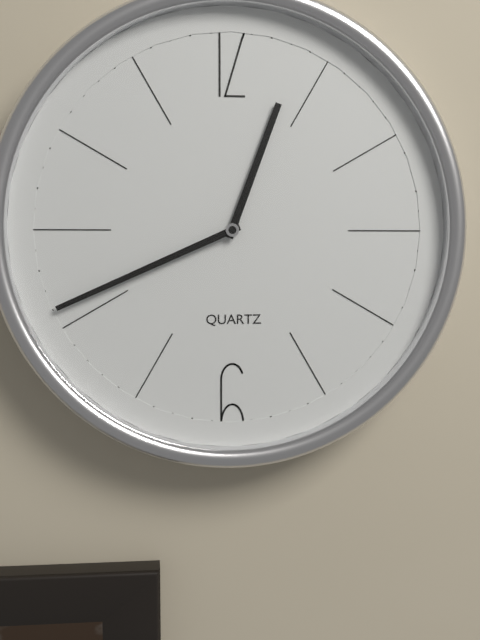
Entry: **12:41**
